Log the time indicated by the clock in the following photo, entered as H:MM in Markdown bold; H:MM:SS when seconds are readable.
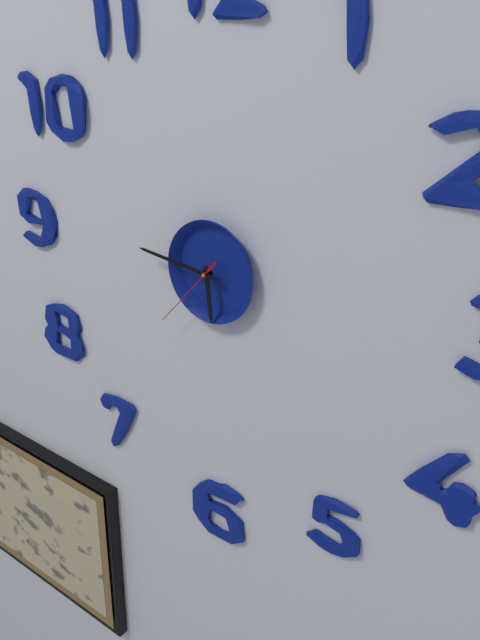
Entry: **5:46:37**
